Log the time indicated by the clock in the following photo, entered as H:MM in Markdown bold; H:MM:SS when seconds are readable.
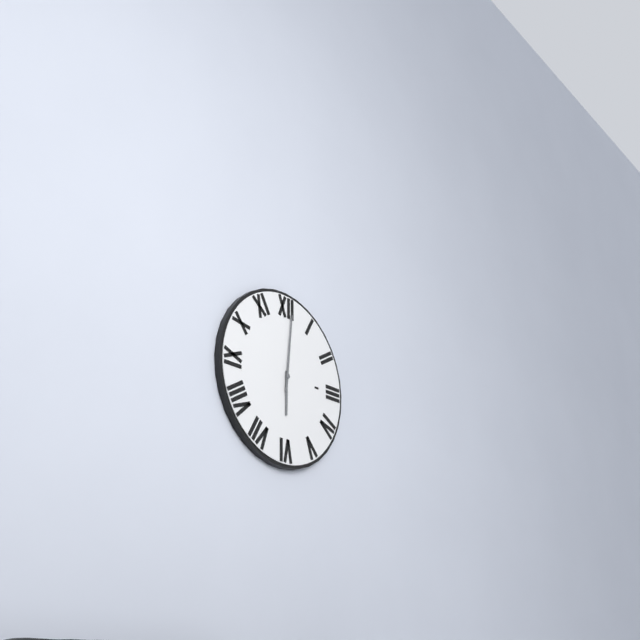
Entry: **6:01**
